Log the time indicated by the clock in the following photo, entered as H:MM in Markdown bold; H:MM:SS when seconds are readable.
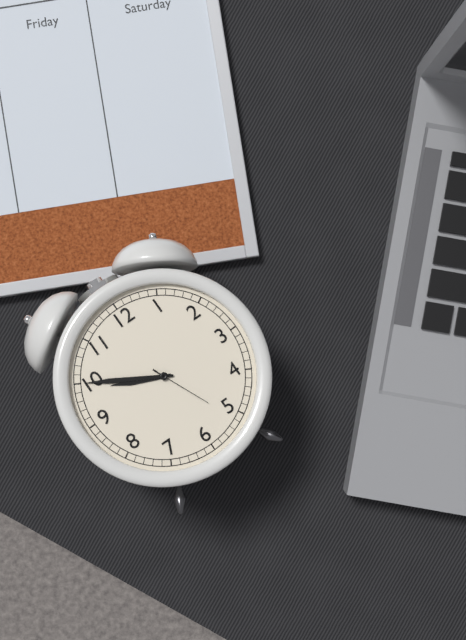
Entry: **9:50:26**
